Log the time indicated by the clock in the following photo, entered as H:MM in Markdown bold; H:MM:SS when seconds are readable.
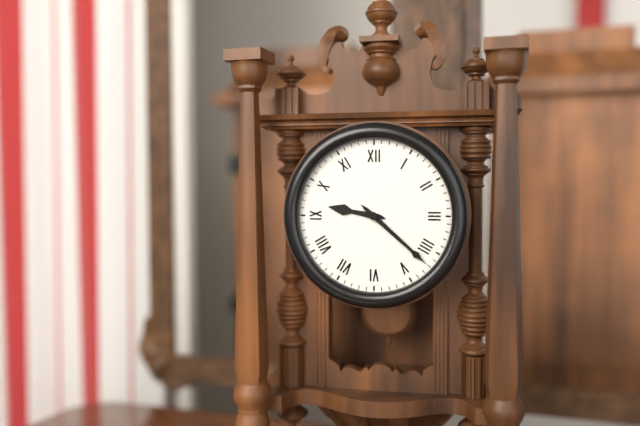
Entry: **9:22**
